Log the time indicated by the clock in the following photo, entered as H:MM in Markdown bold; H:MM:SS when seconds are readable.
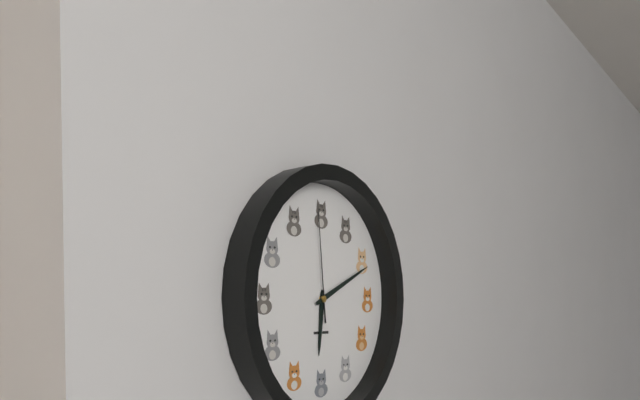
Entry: **6:11:59**
